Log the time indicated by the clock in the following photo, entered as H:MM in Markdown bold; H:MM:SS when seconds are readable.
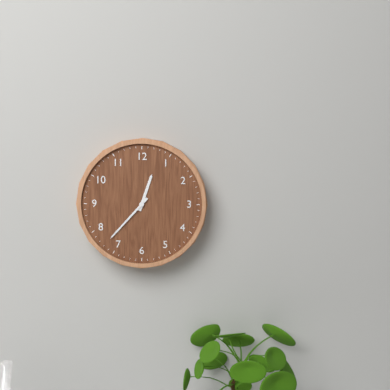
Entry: **12:37**
